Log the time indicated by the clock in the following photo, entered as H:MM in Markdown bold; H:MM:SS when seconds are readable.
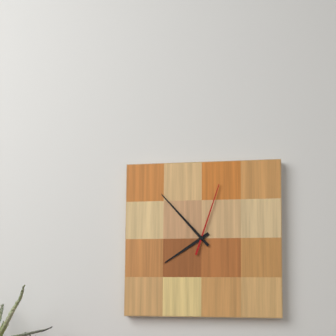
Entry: **7:53:03**
